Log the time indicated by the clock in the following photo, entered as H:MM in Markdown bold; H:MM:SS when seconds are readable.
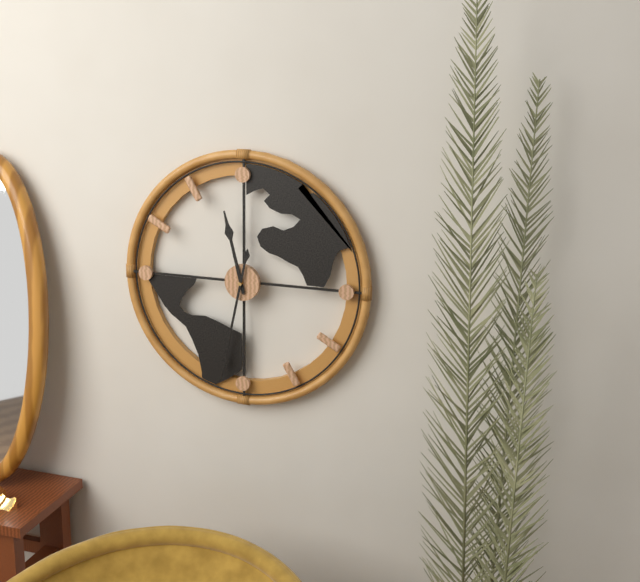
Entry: **11:32**
